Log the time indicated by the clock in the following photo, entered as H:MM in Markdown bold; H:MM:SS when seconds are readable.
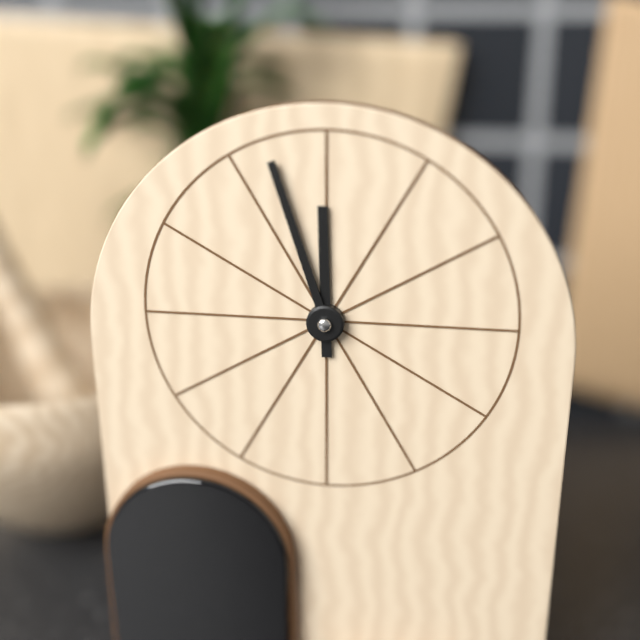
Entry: **11:57**
